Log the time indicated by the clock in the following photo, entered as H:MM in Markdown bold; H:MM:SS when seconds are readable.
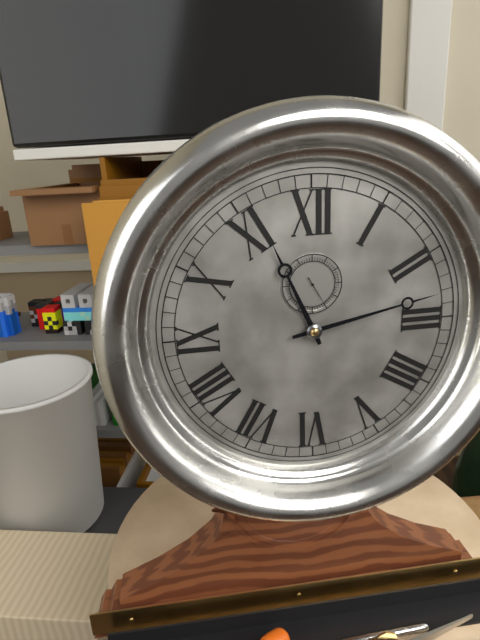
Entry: **11:13**
